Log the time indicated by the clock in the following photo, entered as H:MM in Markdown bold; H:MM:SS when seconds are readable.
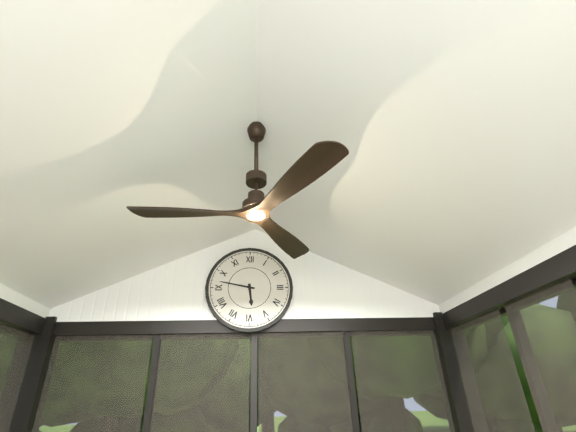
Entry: **5:47**
